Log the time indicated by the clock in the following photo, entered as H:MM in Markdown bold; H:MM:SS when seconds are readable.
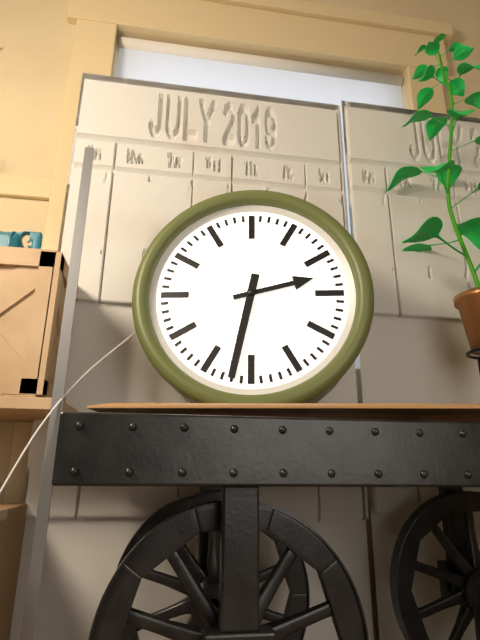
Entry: **2:32**
